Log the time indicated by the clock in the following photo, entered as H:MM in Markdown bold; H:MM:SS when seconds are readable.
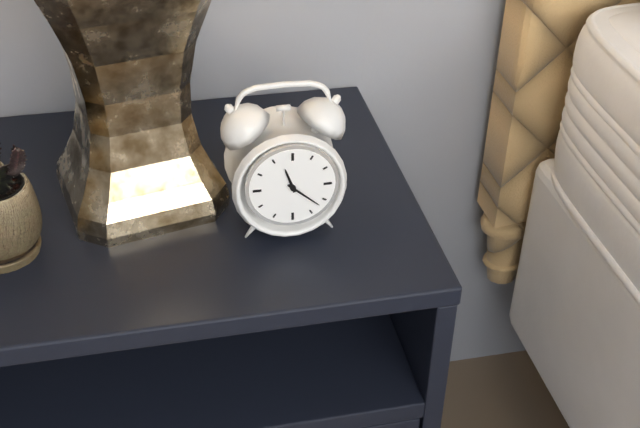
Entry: **11:22**
